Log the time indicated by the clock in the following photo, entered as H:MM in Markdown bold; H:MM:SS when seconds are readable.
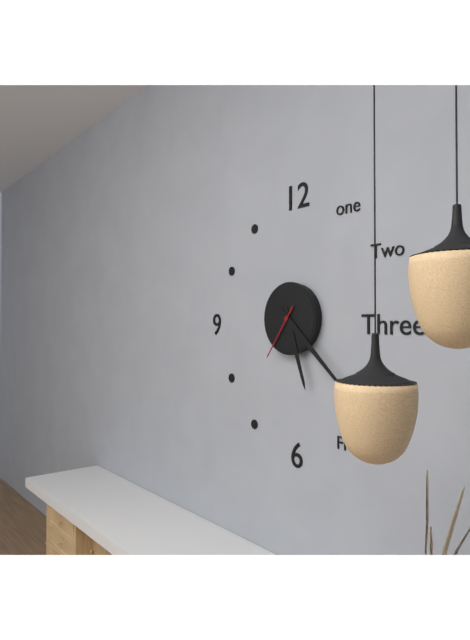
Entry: **5:22:36**
